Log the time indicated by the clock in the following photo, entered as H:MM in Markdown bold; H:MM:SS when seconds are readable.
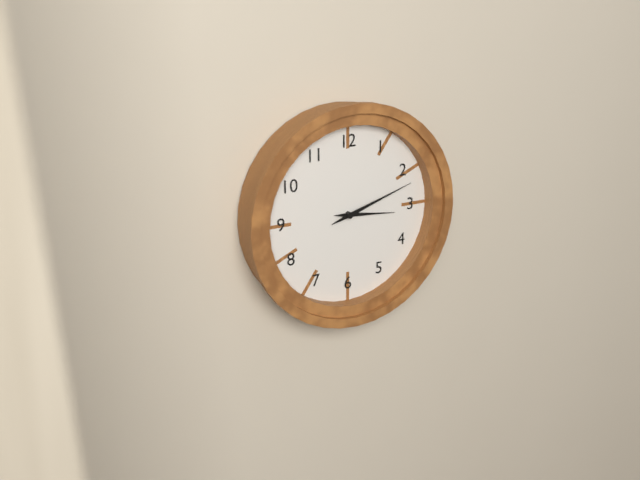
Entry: **3:12**
